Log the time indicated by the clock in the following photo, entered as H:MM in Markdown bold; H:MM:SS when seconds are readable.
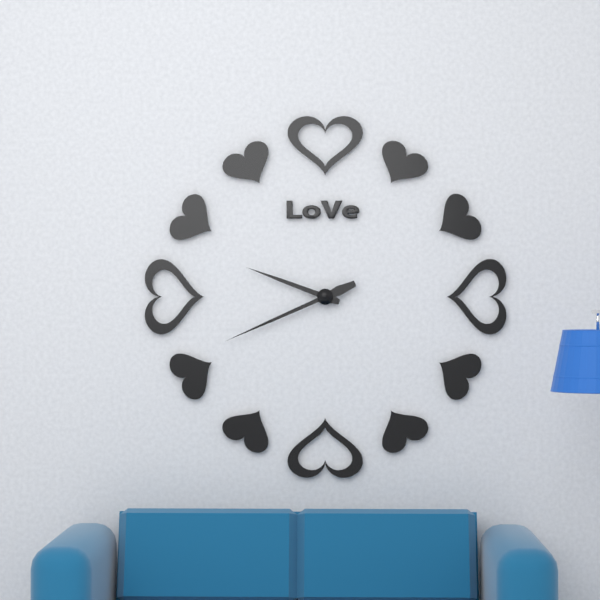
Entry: **9:41**
